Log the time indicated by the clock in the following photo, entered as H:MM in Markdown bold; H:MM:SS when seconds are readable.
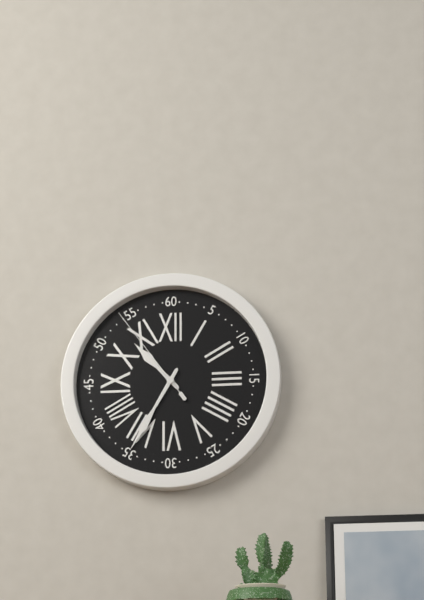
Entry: **10:35:54**
